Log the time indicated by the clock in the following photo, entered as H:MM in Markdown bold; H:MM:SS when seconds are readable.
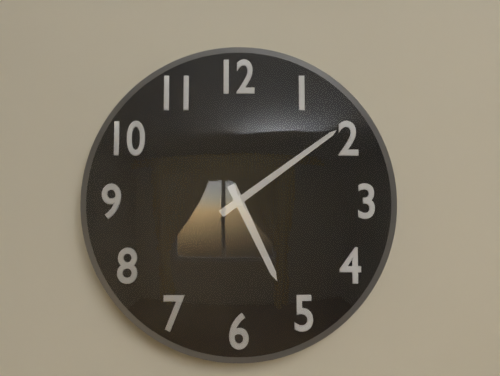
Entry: **5:09**
